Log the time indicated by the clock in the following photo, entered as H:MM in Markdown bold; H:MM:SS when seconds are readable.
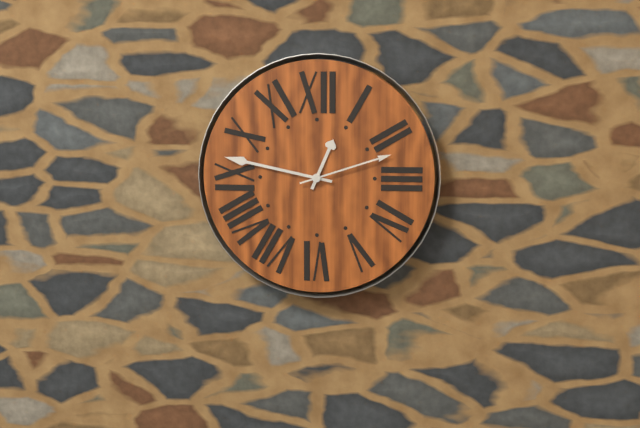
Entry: **12:47:12**
